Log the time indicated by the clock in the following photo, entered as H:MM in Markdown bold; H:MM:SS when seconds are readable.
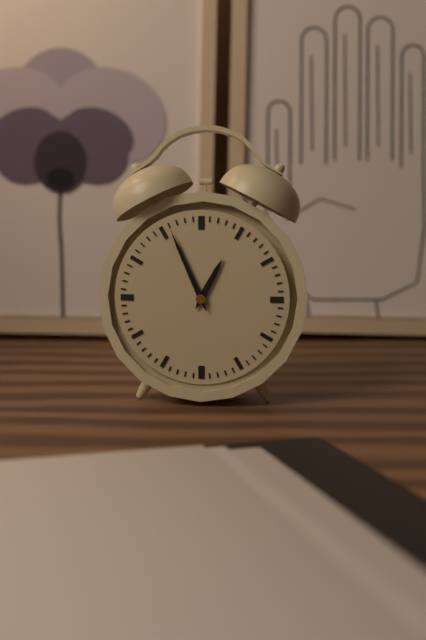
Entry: **12:56**
